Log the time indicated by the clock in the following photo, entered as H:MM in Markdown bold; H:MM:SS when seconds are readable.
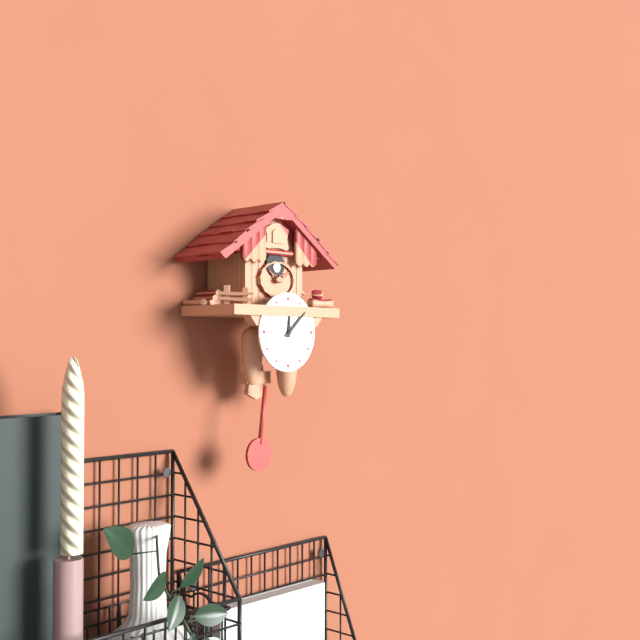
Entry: **12:08**
